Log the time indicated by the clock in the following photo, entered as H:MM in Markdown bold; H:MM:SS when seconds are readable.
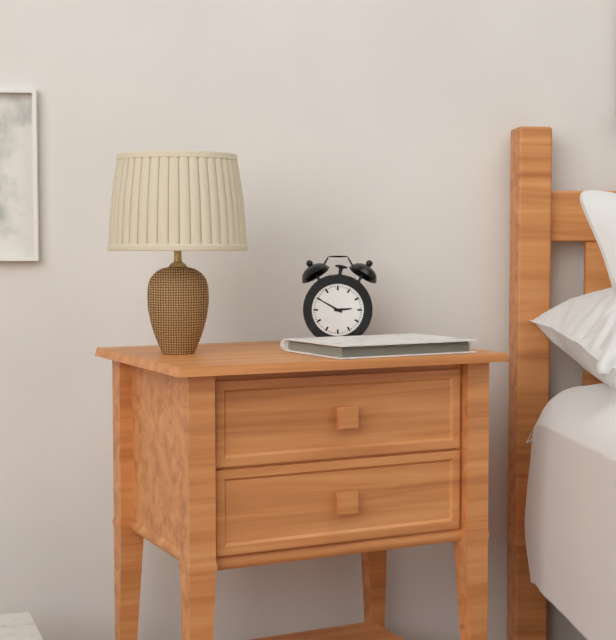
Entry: **2:50**
